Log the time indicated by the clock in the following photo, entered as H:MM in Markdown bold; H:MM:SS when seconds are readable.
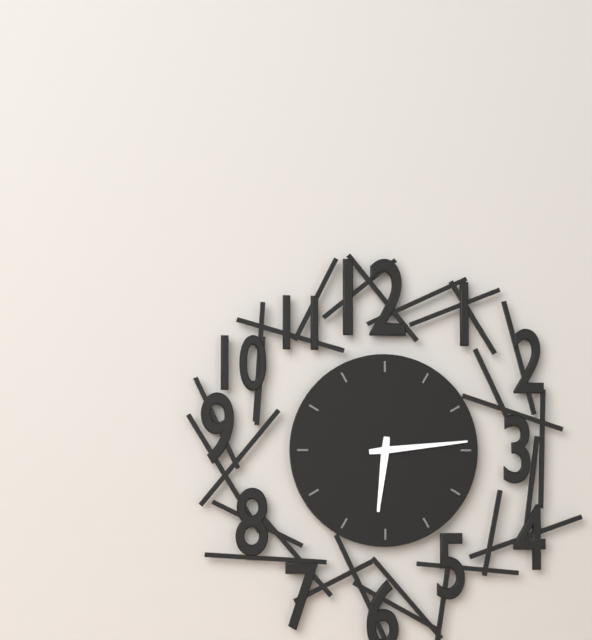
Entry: **6:14**
